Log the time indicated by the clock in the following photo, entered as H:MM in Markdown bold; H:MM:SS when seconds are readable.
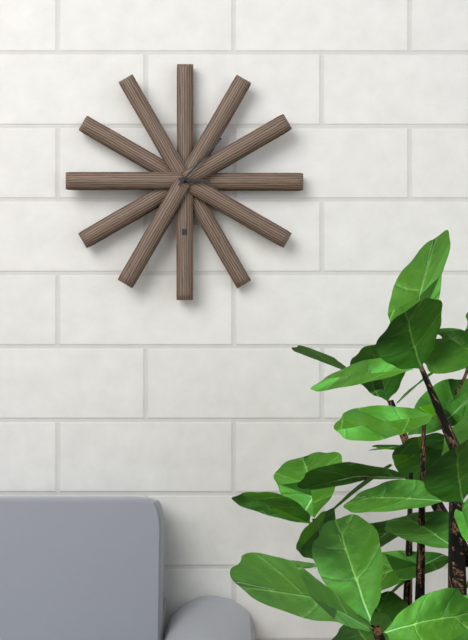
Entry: **3:07**
